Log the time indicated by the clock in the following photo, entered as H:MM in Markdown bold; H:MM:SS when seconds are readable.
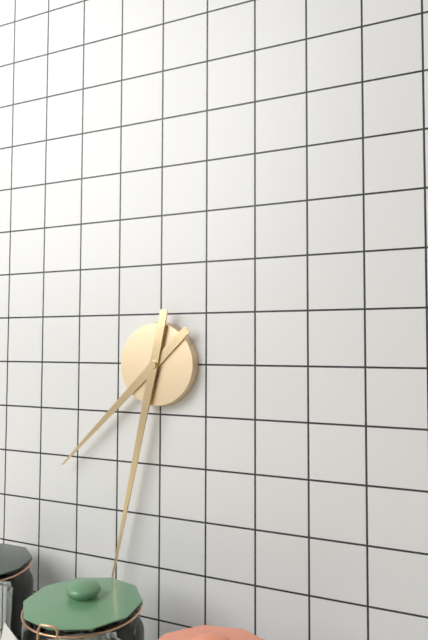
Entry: **7:32**
